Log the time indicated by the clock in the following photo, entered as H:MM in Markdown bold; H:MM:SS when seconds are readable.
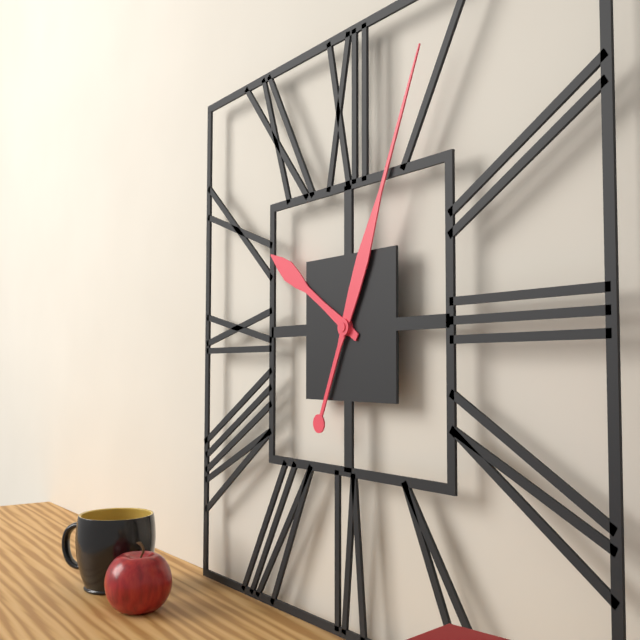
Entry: **10:04**
